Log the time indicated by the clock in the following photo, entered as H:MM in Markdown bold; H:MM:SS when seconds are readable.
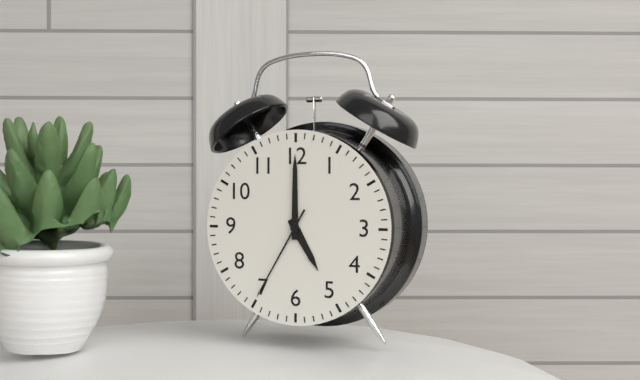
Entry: **5:00:35**
